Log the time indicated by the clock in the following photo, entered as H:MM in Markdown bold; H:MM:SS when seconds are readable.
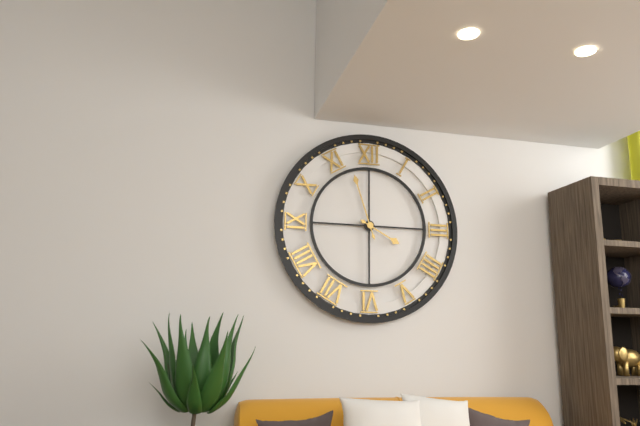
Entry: **3:57**
